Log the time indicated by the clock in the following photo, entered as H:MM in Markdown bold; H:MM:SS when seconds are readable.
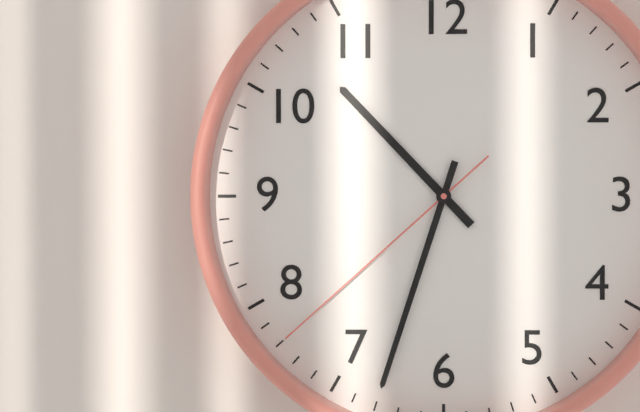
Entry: **10:33:38**
